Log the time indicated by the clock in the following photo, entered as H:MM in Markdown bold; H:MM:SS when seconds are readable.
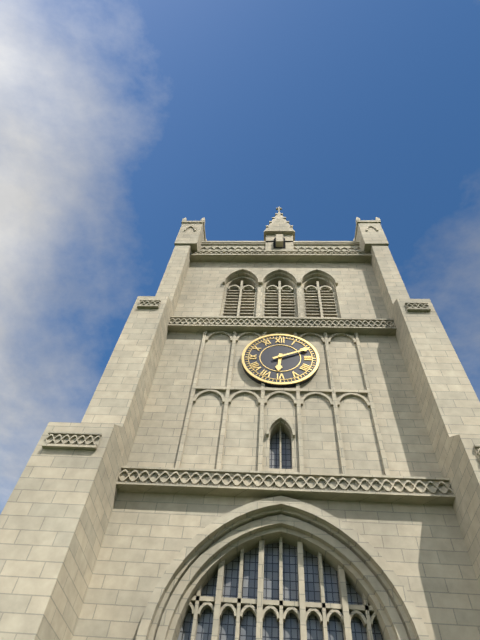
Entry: **6:11**
